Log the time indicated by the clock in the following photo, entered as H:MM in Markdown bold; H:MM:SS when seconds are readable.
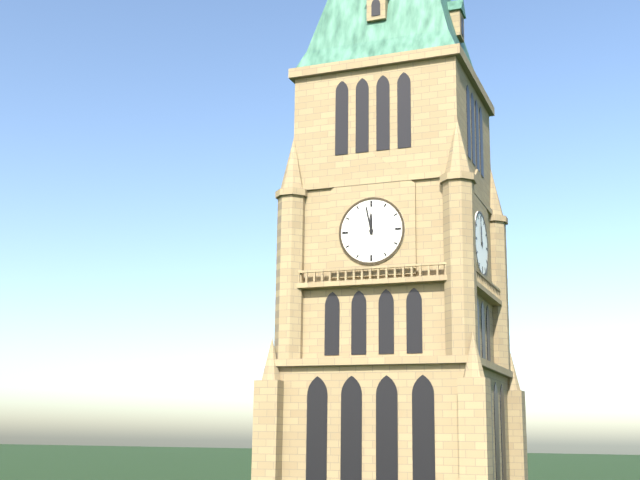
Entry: **11:58**
